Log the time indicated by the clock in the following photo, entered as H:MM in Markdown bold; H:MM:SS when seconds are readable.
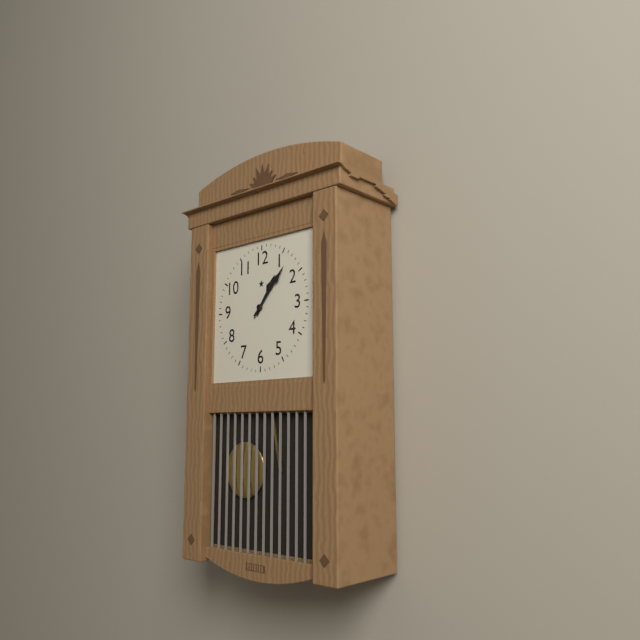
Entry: **1:07**
